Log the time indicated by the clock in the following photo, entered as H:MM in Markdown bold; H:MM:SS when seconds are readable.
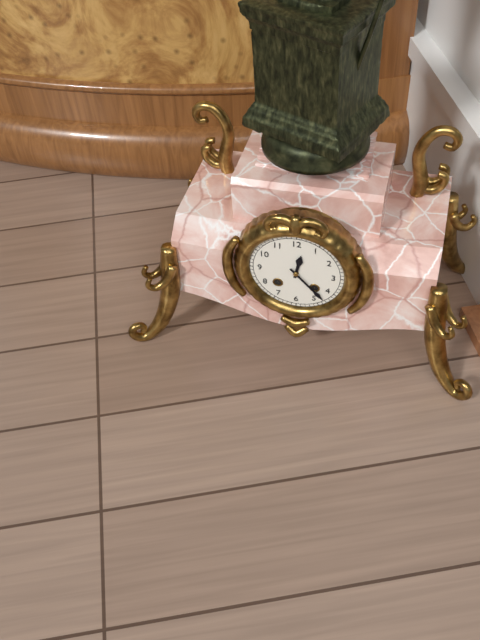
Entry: **12:23**
